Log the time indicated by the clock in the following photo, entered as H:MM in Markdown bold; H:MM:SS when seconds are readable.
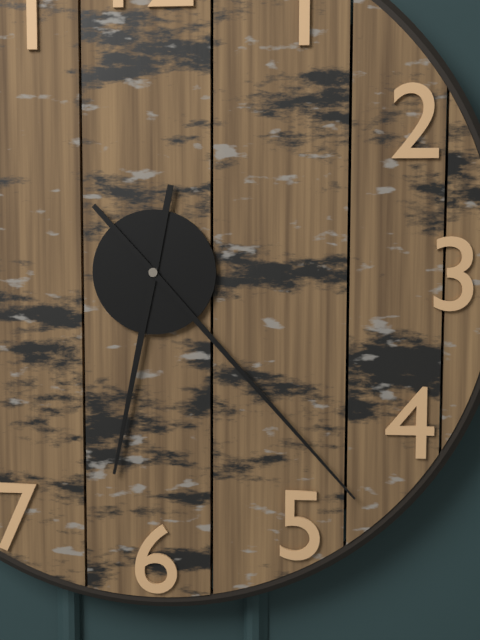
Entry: **6:23**
